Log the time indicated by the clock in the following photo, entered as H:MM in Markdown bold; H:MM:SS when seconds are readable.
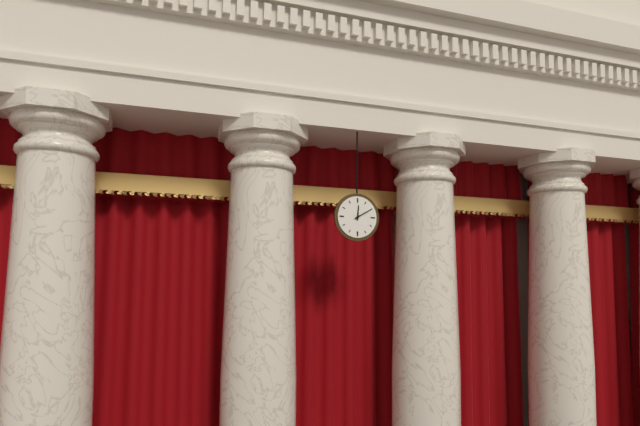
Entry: **12:10**
